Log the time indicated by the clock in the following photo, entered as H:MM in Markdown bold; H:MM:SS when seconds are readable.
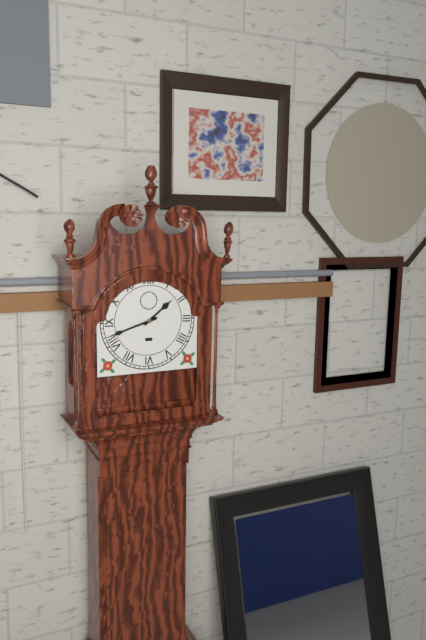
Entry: **1:42**
